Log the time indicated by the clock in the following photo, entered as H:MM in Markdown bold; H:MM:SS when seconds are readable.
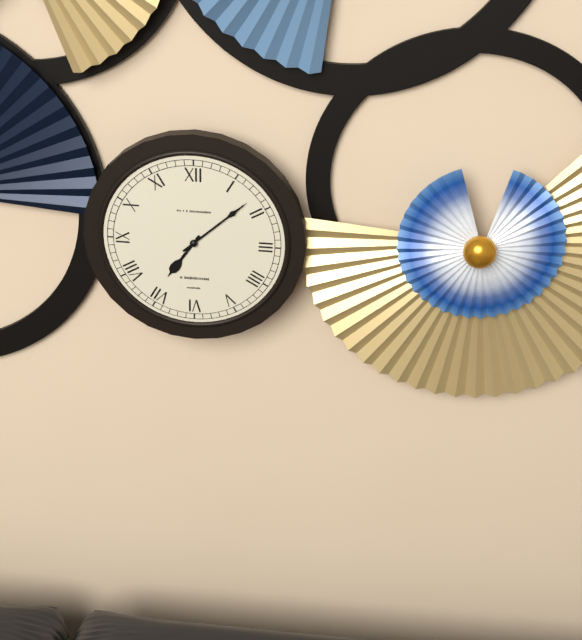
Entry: **7:08**
